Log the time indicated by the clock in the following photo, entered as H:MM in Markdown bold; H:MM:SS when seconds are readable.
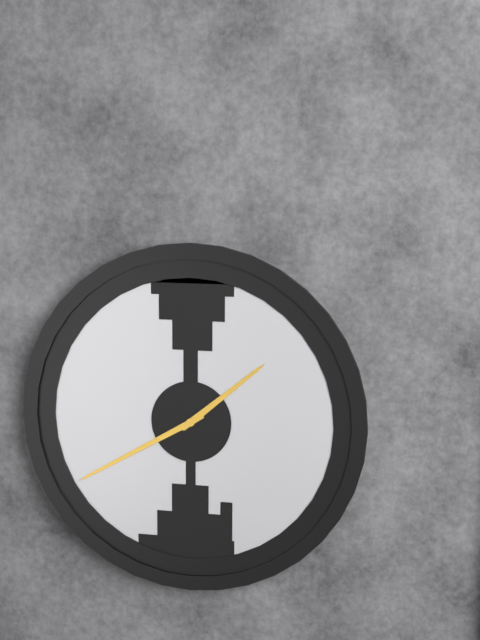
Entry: **1:40**
